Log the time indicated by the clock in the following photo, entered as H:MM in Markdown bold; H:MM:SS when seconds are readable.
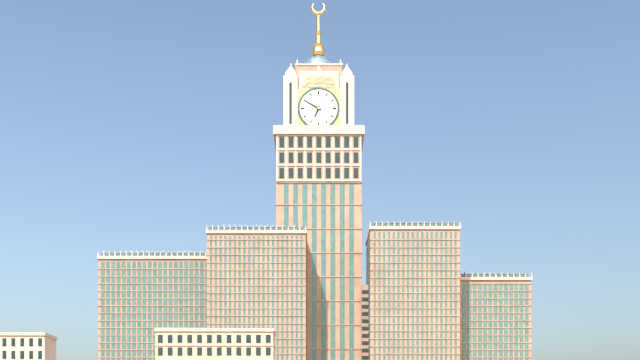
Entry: **6:50**
